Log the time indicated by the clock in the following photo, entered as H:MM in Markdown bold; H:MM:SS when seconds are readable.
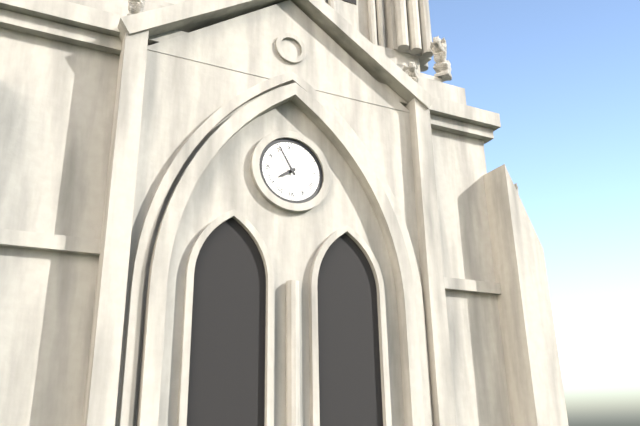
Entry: **7:55**
